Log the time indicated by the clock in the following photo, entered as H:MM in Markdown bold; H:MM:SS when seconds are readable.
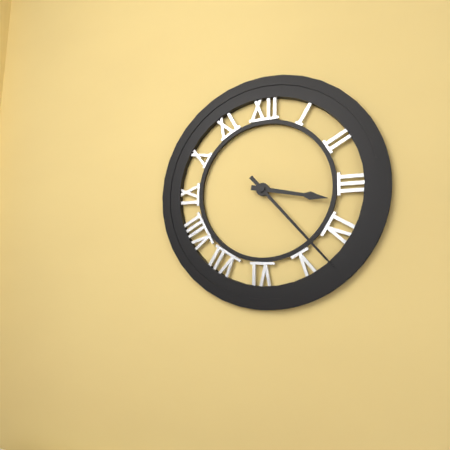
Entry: **3:23**
